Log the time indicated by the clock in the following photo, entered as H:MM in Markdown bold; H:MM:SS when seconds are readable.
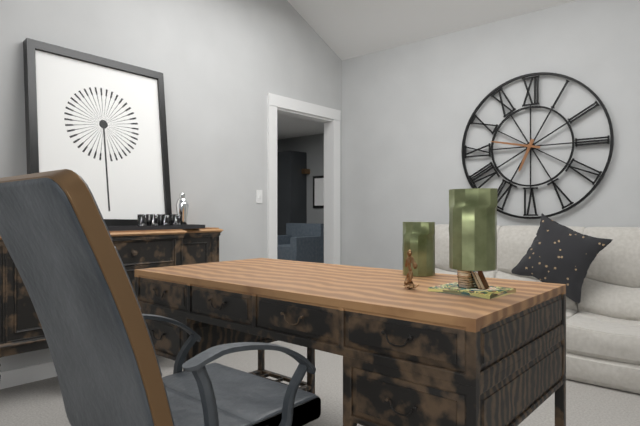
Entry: **6:47**
